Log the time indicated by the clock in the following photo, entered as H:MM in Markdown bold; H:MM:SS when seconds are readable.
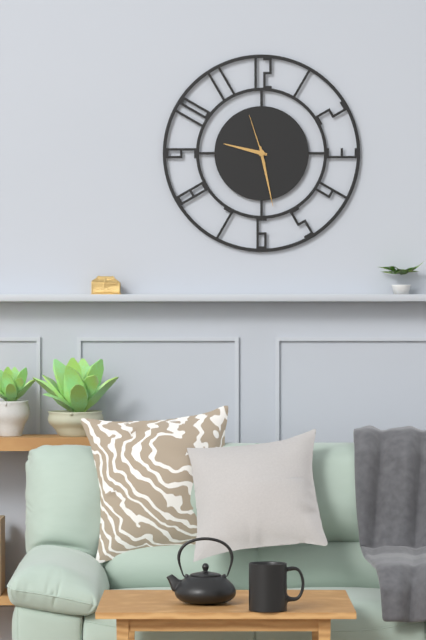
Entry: **9:28:57**
